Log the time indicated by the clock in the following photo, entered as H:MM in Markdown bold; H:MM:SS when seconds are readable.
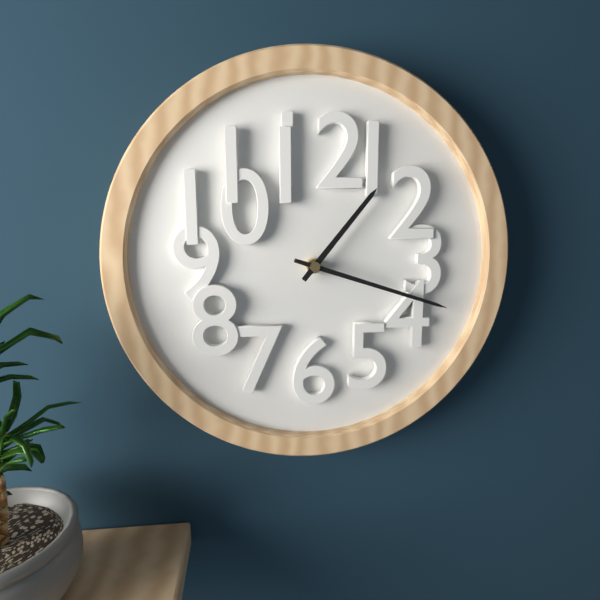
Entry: **1:18**
